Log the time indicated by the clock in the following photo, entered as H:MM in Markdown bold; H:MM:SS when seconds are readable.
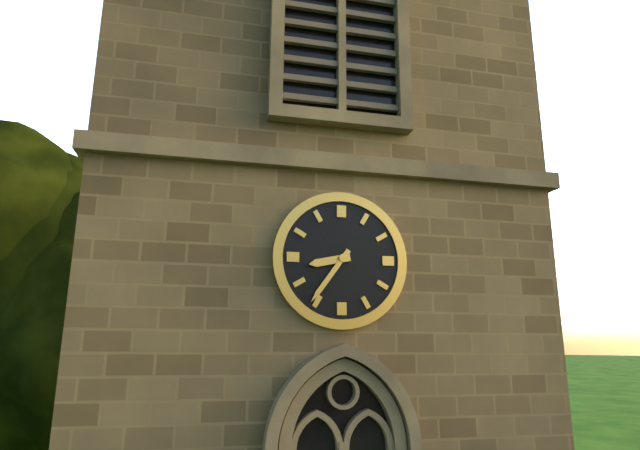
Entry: **8:36**
